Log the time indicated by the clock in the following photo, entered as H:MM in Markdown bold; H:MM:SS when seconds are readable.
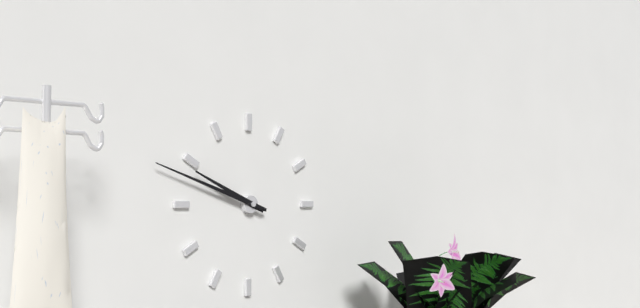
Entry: **9:48**
